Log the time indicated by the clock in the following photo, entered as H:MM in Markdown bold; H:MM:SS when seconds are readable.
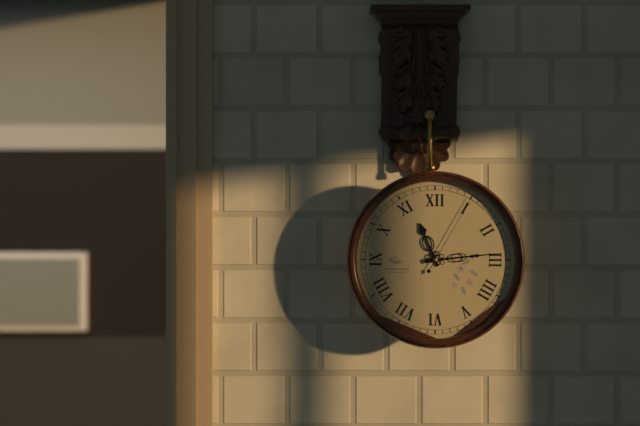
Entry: **11:14:05**
